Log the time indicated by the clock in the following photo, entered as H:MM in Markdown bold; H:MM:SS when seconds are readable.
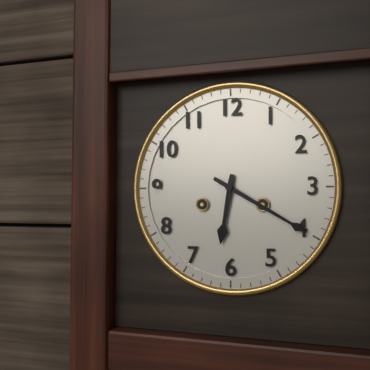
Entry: **6:20**
